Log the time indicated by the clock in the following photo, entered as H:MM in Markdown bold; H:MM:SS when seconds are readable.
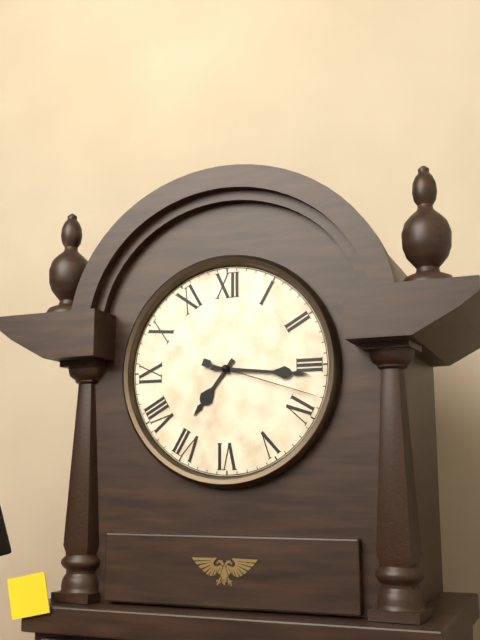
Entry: **7:16:18**
